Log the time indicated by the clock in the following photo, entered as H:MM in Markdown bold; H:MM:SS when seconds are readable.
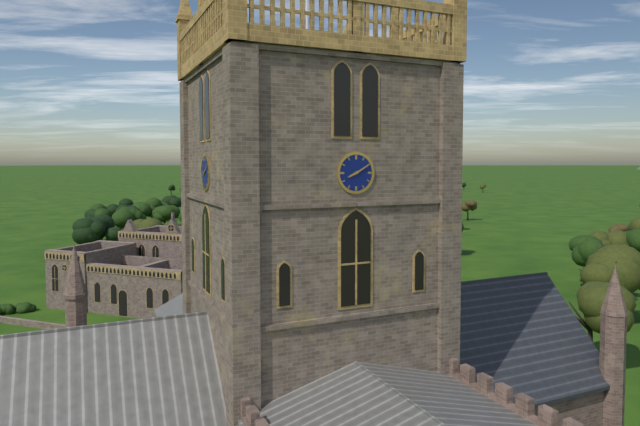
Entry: **8:10**
